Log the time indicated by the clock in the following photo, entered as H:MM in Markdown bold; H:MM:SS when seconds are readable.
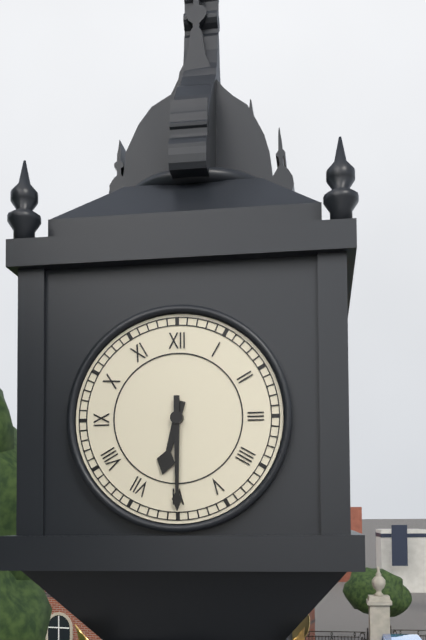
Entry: **6:30**
